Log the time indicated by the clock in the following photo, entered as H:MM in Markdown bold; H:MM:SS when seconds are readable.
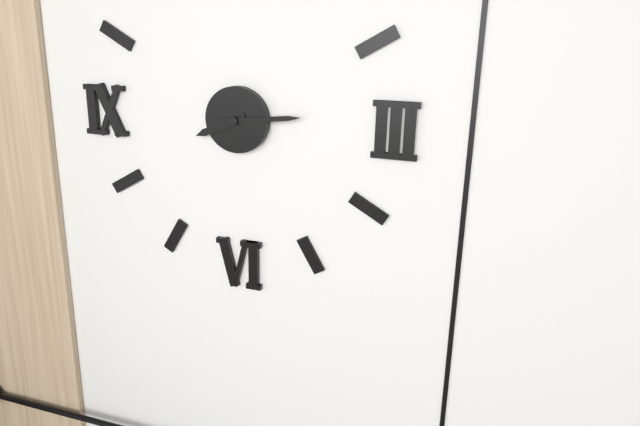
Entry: **8:14**
